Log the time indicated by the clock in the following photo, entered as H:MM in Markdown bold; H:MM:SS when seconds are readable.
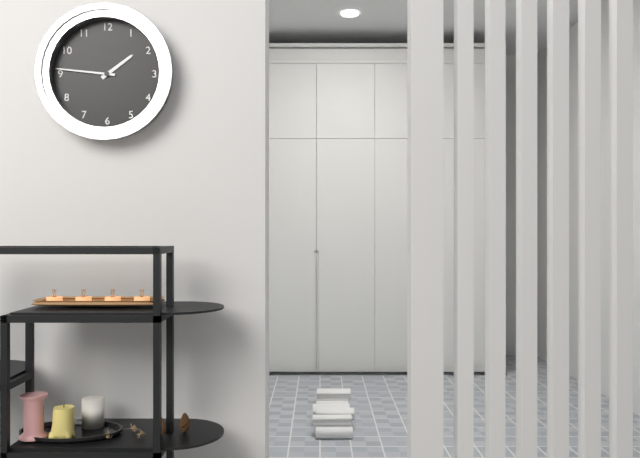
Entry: **1:46**
